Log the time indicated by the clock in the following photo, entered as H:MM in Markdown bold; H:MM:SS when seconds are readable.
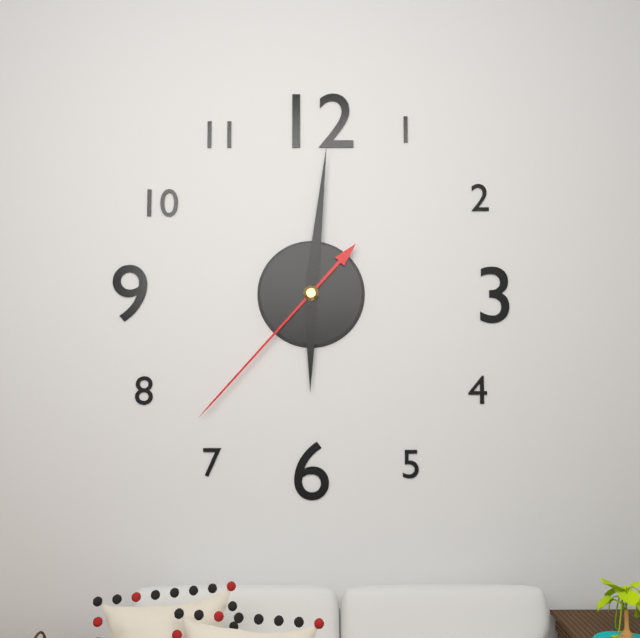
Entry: **6:01:37**
